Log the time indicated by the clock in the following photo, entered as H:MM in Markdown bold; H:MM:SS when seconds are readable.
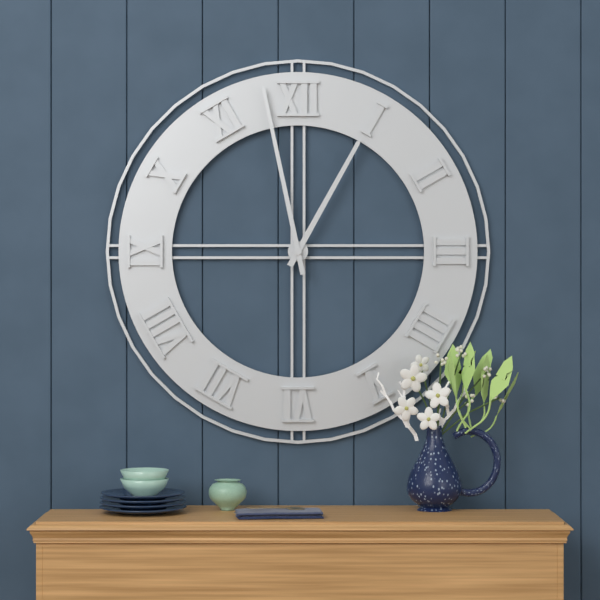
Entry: **12:58**
